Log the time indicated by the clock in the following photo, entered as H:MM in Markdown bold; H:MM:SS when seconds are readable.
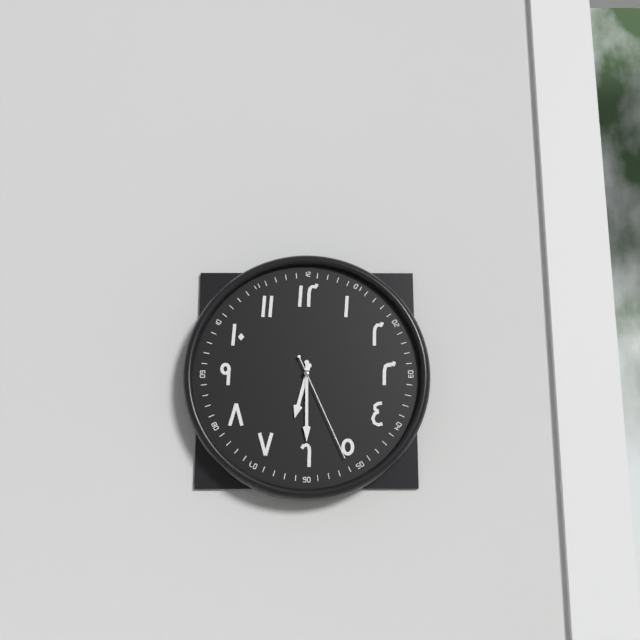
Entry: **6:30:26**
